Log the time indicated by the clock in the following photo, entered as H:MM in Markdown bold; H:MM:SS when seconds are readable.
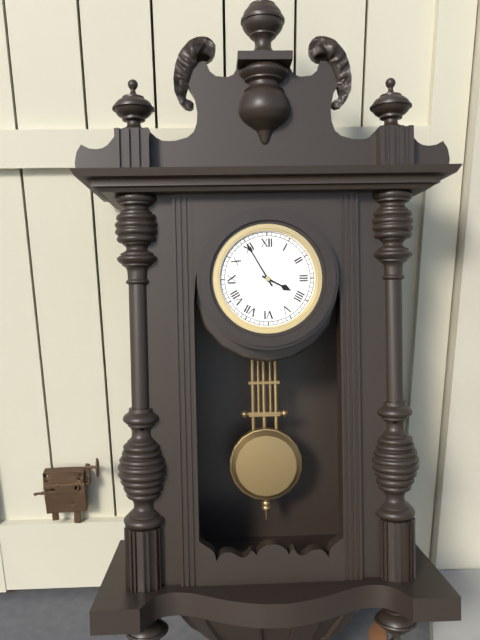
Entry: **3:55**
